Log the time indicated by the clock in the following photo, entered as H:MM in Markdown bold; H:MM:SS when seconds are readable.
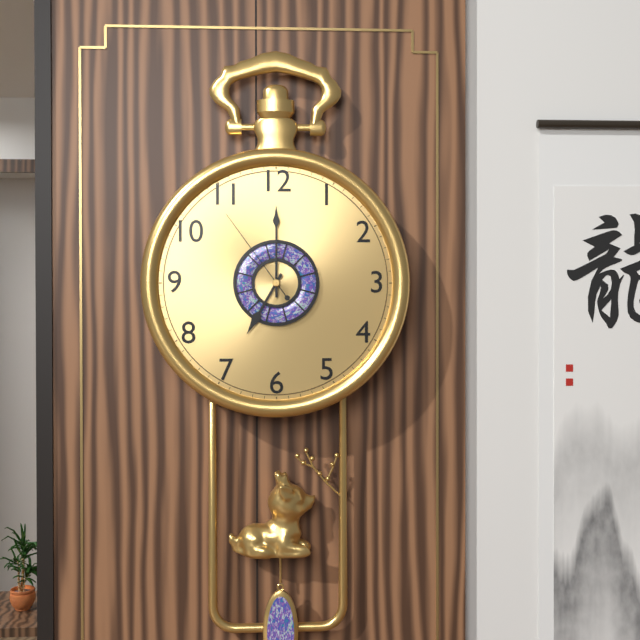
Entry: **7:00:54**
